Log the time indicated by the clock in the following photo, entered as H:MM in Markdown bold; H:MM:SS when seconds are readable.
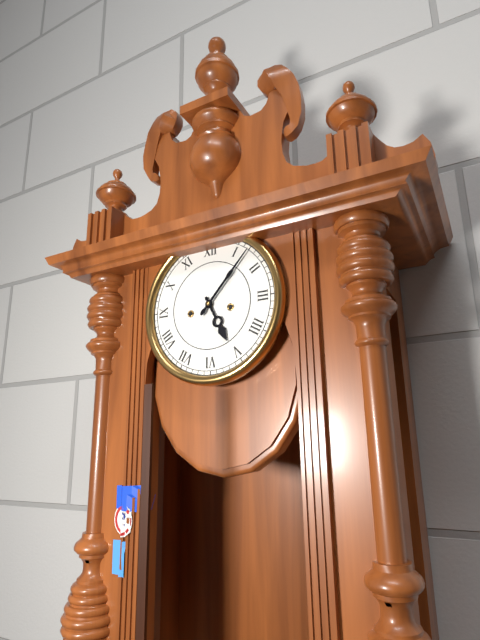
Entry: **5:07**
